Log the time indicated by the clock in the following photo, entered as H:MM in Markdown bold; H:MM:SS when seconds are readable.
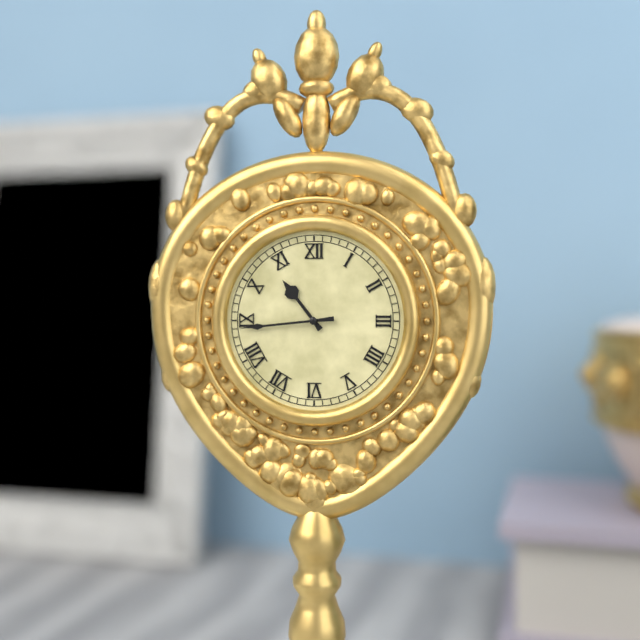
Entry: **10:44**
